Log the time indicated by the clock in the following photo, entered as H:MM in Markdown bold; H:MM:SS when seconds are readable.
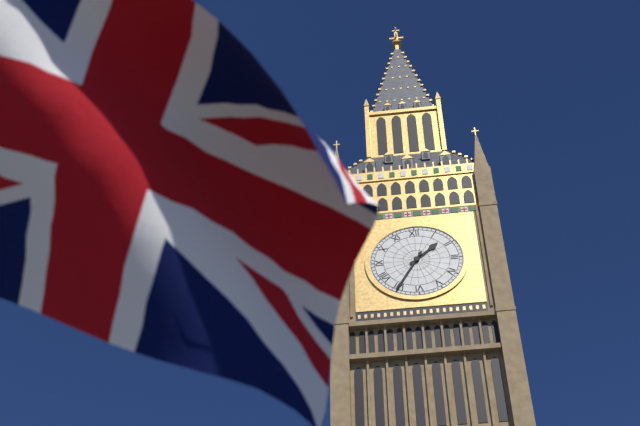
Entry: **1:35**
